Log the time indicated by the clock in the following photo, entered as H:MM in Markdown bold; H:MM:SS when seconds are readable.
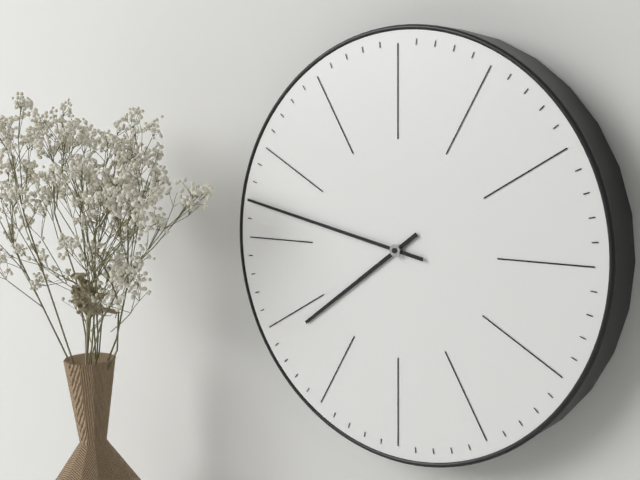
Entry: **7:47**
